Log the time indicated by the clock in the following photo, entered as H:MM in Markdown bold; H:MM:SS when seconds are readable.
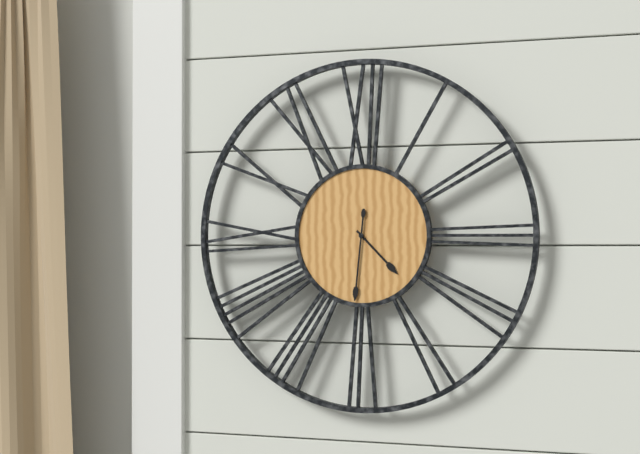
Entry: **4:31**
